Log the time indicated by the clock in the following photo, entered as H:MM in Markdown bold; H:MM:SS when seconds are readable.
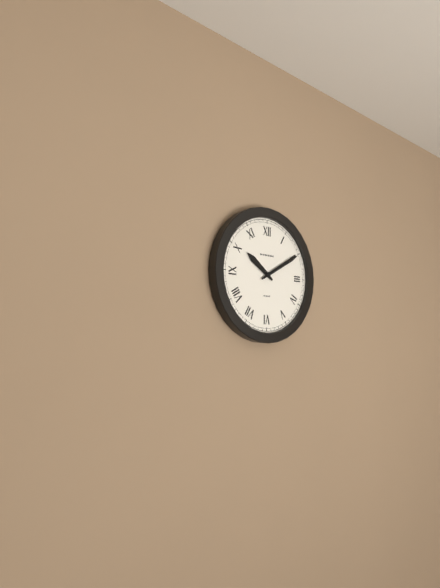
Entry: **10:10**
